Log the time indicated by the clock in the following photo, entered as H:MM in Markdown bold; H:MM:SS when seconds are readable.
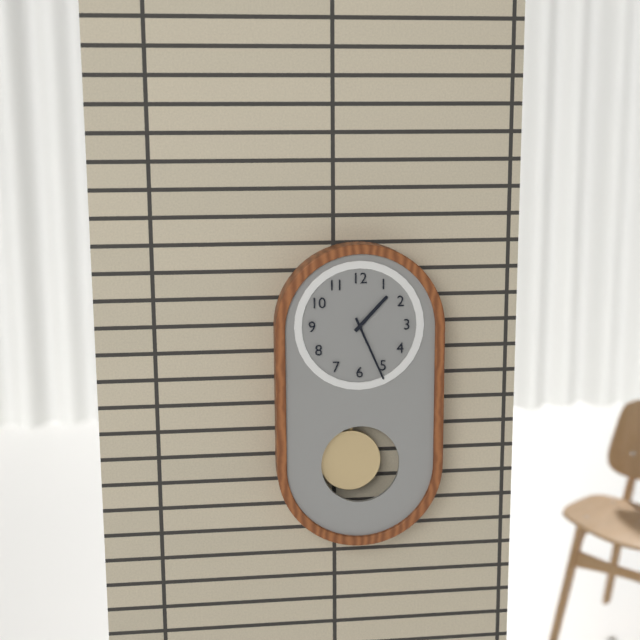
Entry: **1:26**
